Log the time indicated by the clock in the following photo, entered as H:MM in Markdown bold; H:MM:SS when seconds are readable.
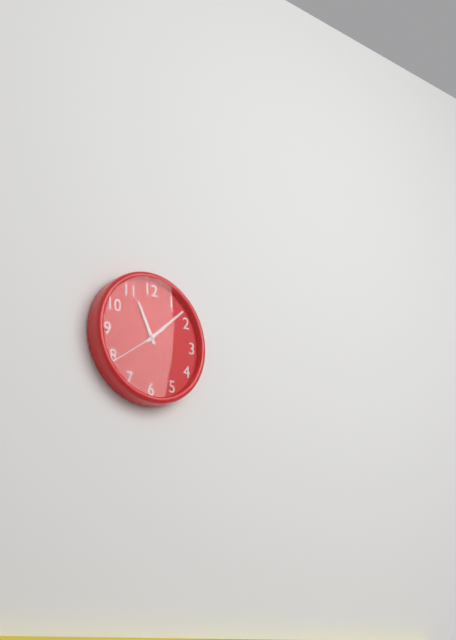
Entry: **11:08**
